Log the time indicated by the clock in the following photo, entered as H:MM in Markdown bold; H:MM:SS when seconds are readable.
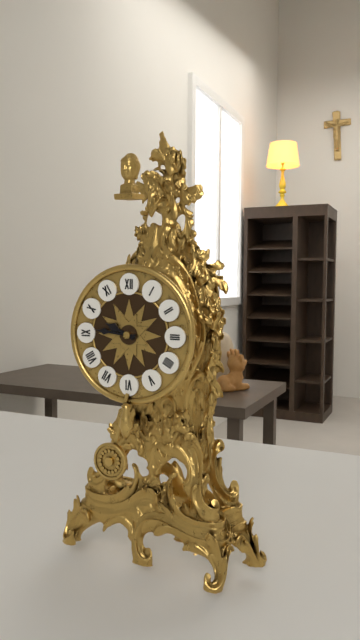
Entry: **9:46**
